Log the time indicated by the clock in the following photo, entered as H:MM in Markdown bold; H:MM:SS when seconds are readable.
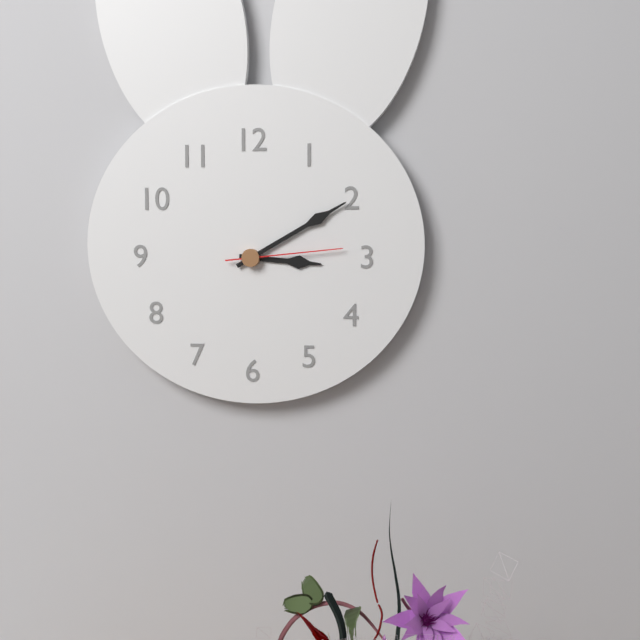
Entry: **3:10:14**
